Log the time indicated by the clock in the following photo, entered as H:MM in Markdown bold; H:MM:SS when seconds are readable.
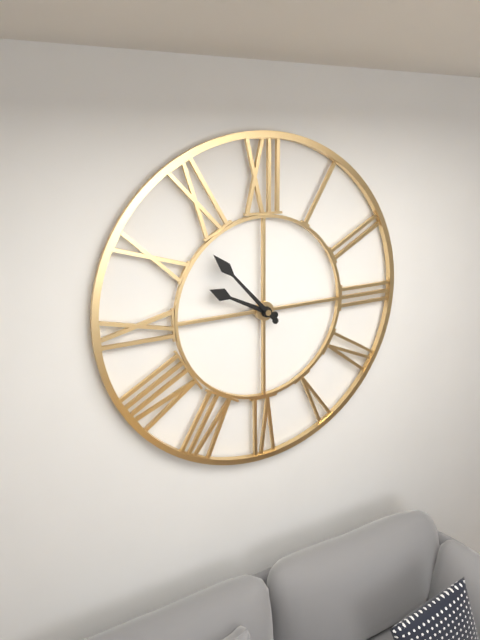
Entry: **9:53**
